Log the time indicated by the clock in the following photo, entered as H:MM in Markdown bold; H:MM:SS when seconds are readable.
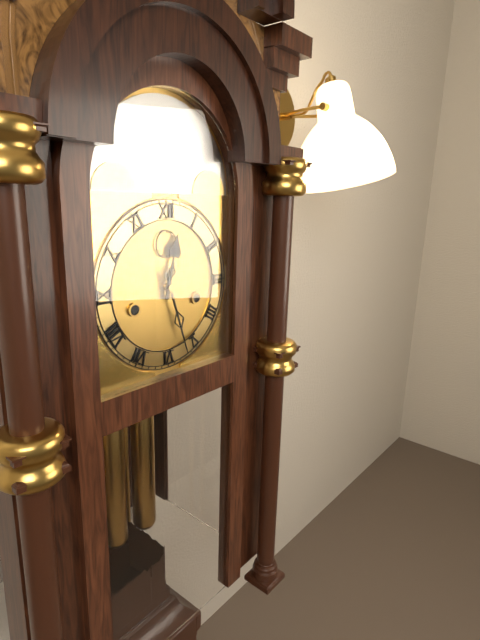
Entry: **12:27**
